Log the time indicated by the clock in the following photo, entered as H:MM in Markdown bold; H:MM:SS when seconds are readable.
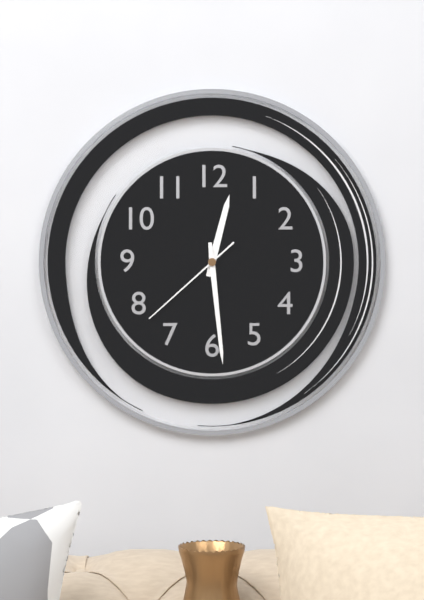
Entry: **12:29:38**
